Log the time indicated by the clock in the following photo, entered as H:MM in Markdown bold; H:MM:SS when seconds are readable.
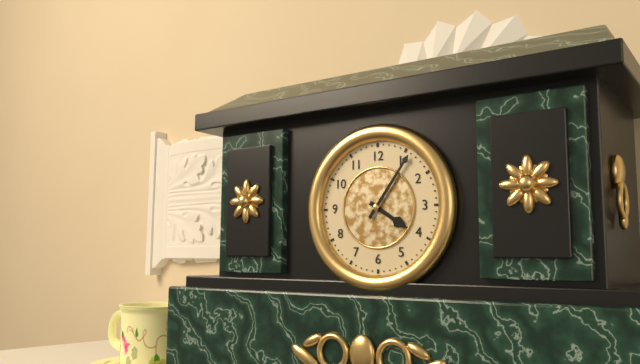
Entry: **4:06**
